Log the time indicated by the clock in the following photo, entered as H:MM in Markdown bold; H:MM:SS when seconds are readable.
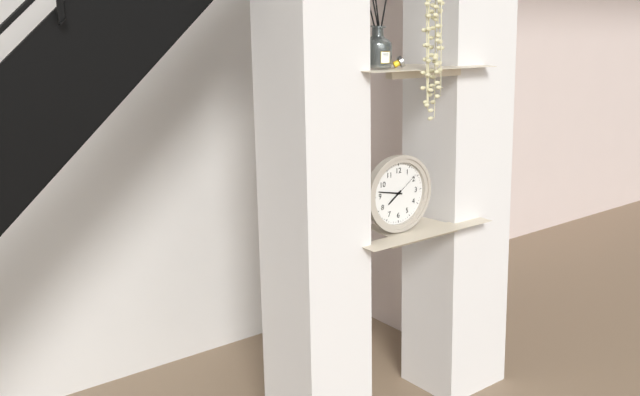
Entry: **7:47**
